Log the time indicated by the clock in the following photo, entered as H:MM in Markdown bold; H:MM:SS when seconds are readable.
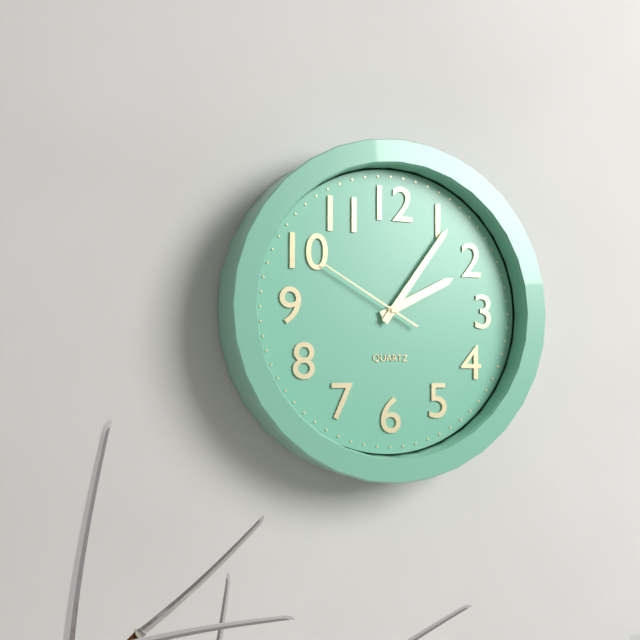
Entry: **2:06:50**
